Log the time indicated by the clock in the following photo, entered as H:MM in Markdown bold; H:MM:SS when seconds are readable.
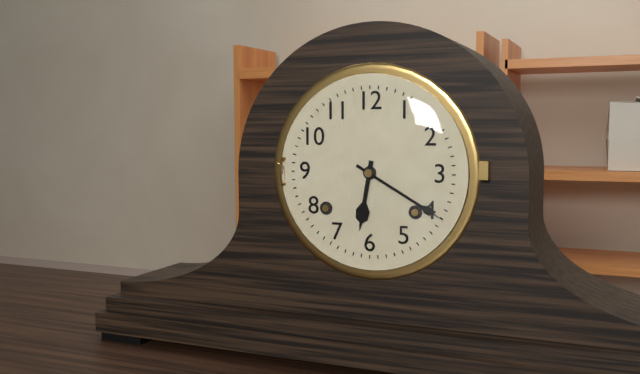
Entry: **6:20**
